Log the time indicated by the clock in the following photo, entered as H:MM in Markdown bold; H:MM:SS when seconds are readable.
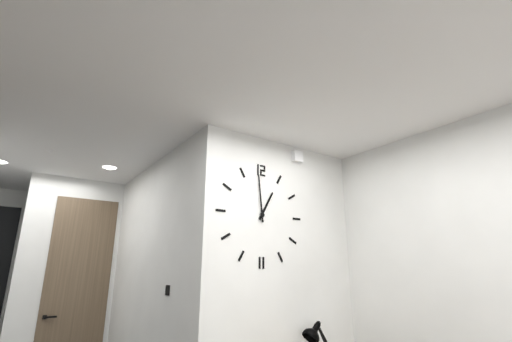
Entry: **12:59**
